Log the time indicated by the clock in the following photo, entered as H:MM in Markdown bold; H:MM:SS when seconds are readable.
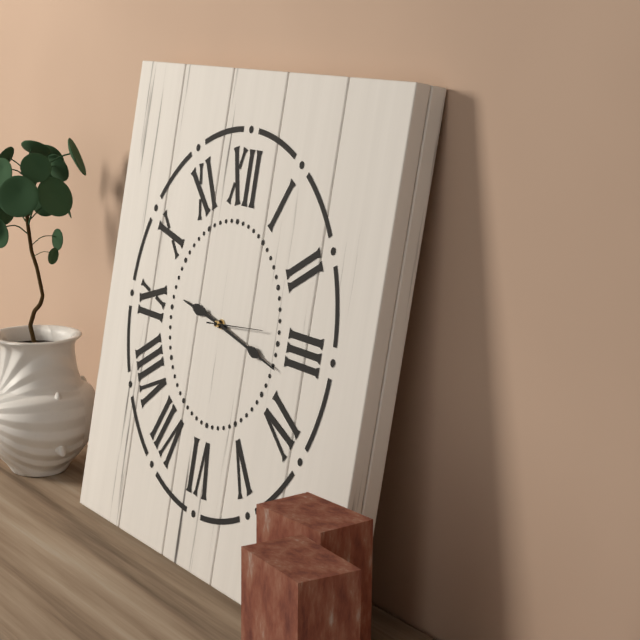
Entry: **9:17**
